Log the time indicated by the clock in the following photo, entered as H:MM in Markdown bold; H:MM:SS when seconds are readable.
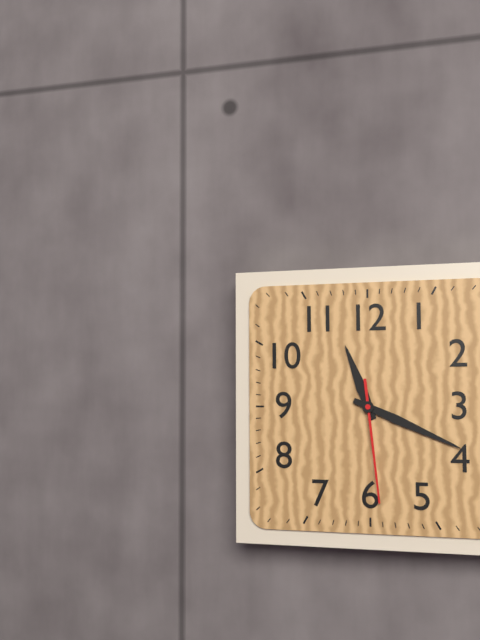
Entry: **11:19:29**
